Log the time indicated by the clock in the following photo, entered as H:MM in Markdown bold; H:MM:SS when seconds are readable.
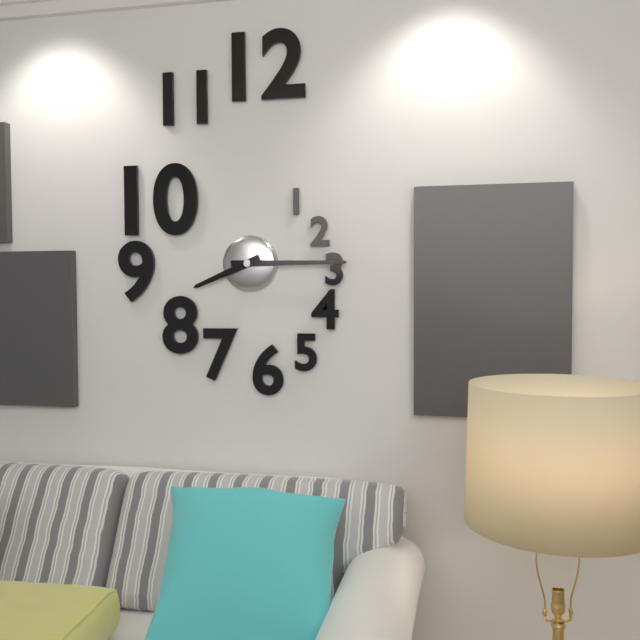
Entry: **8:15**
